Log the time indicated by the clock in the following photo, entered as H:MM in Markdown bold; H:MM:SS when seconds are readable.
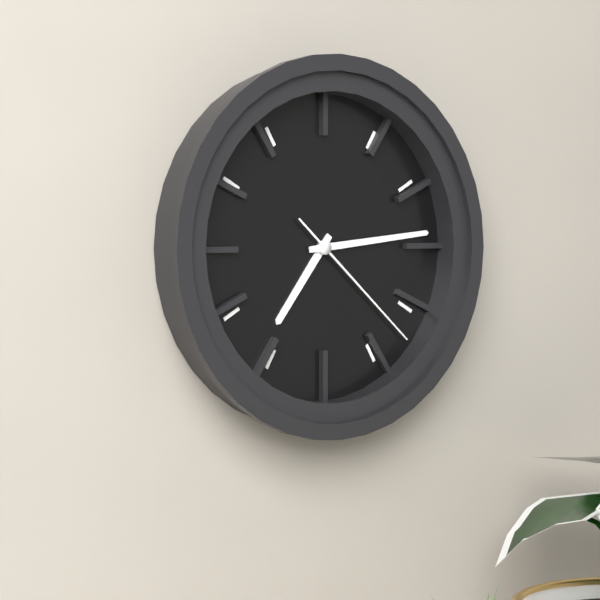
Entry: **7:14:22**
